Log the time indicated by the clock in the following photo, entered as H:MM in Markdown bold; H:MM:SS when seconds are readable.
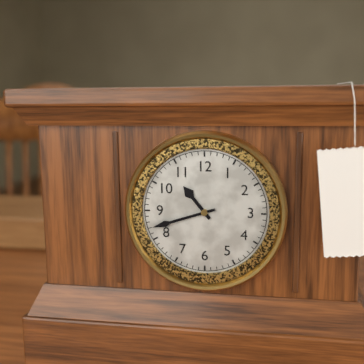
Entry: **10:42**
